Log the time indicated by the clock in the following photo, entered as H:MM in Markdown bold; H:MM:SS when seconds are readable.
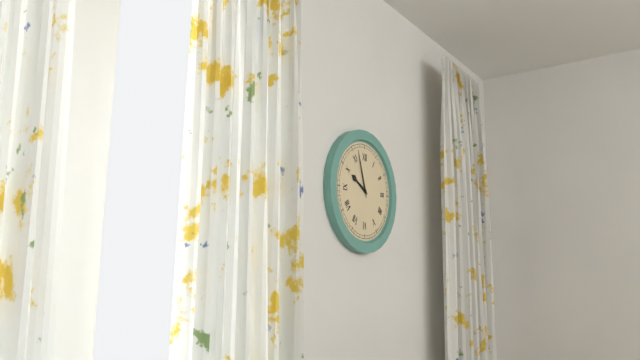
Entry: **9:57**
